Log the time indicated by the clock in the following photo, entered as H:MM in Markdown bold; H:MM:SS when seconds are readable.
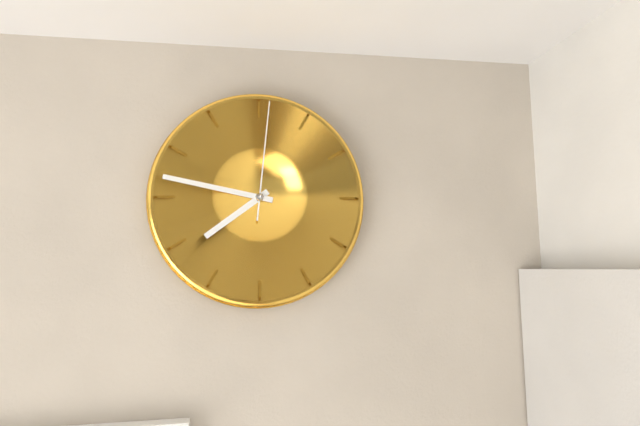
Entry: **7:47:01**
